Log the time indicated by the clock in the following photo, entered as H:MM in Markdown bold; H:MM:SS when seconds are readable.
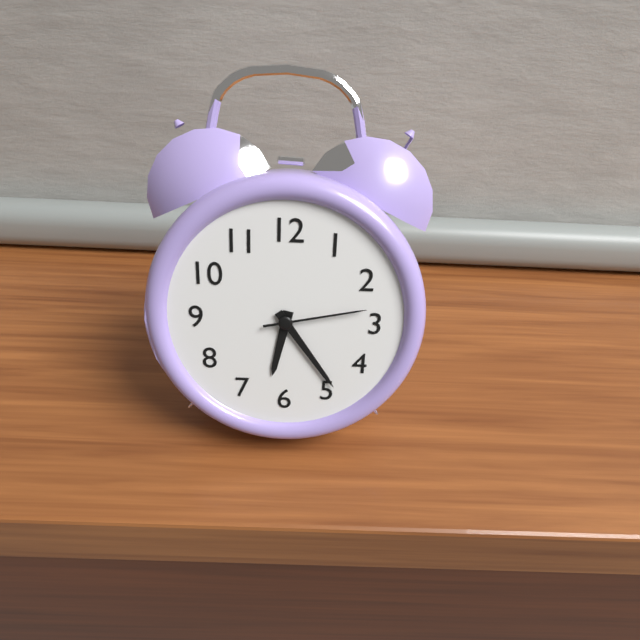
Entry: **6:24:13**
